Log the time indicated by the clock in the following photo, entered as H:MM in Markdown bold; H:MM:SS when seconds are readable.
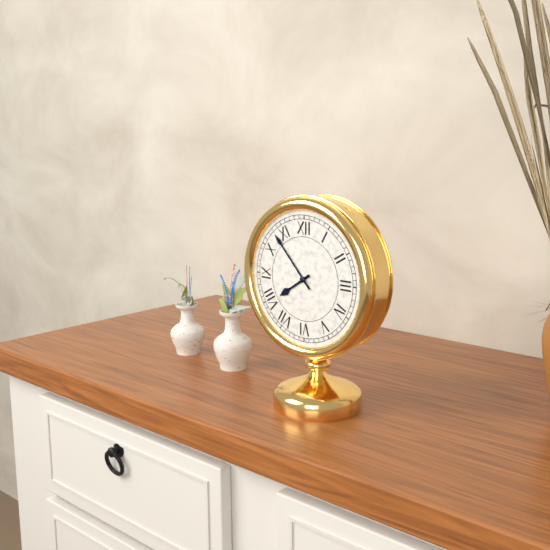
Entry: **7:53**
